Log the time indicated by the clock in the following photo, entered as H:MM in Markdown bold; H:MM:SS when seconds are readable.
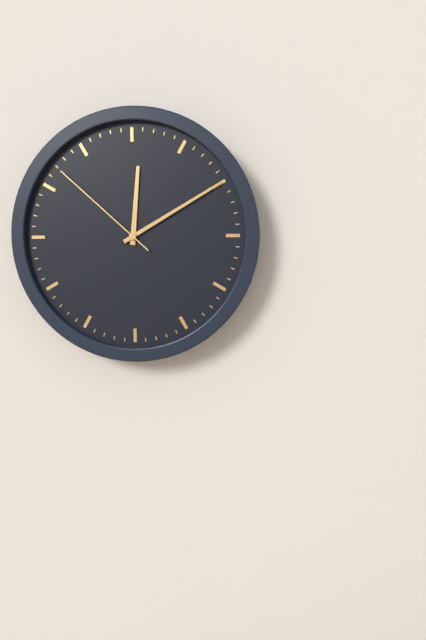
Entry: **12:10:52**
